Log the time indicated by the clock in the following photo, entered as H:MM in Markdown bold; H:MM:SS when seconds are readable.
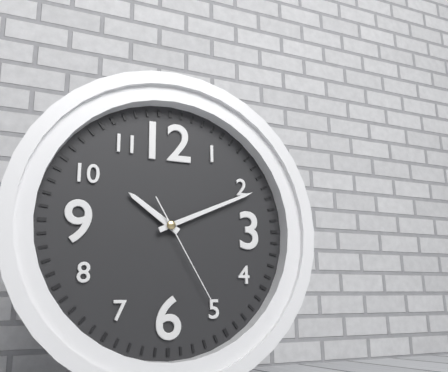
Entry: **10:11:25**
